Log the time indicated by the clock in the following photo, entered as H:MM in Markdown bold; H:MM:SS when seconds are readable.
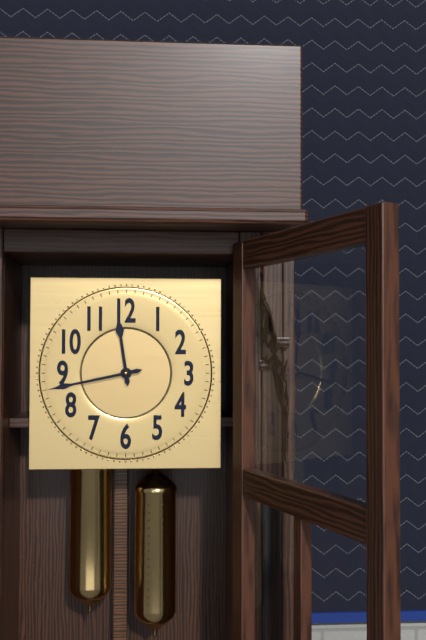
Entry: **11:43**
